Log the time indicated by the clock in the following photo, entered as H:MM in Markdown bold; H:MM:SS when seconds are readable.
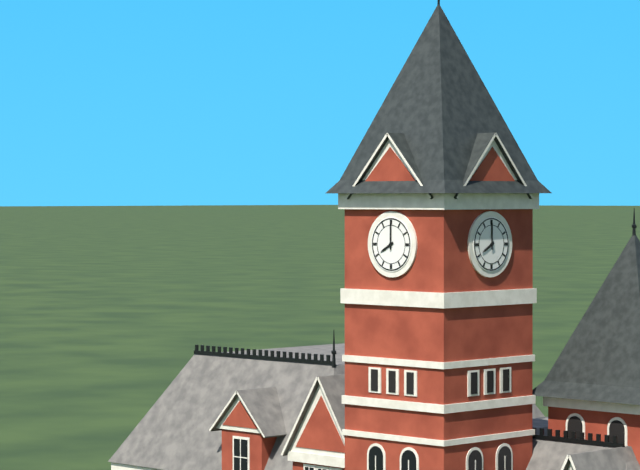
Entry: **8:00**
